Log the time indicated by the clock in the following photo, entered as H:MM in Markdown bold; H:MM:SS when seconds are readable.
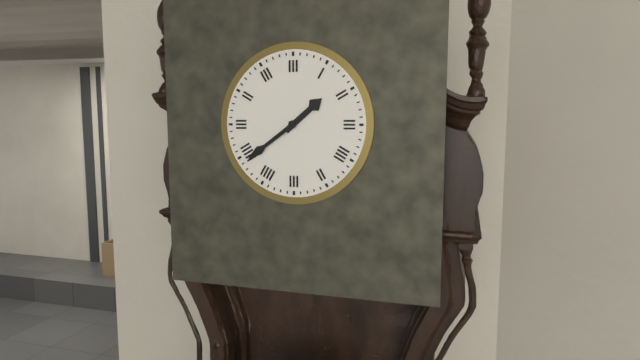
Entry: **1:39**
